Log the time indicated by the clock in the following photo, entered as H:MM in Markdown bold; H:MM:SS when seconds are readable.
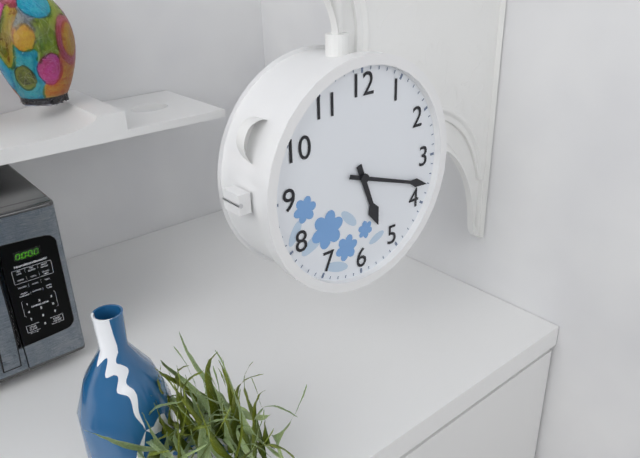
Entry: **5:18**
